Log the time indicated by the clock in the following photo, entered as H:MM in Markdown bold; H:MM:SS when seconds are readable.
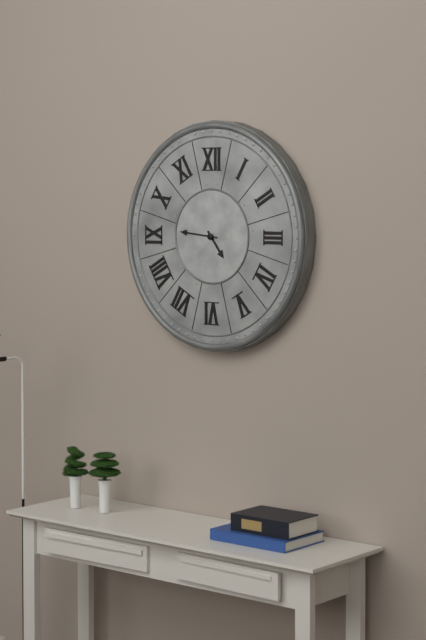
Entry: **4:46**
